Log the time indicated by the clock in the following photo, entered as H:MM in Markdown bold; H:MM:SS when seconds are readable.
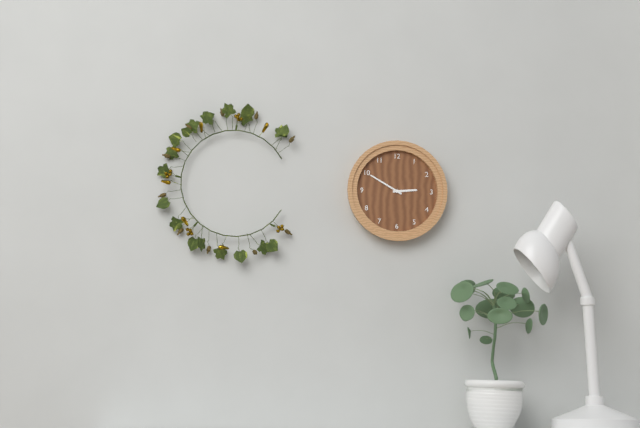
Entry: **2:50**
